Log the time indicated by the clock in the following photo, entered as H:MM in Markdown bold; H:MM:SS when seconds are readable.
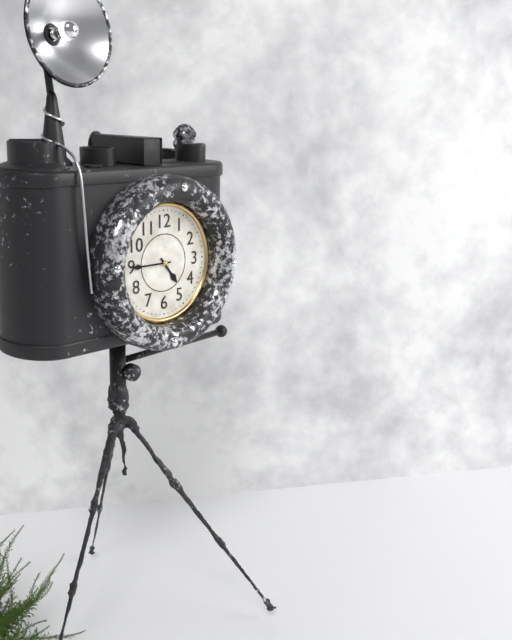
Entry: **4:45**
